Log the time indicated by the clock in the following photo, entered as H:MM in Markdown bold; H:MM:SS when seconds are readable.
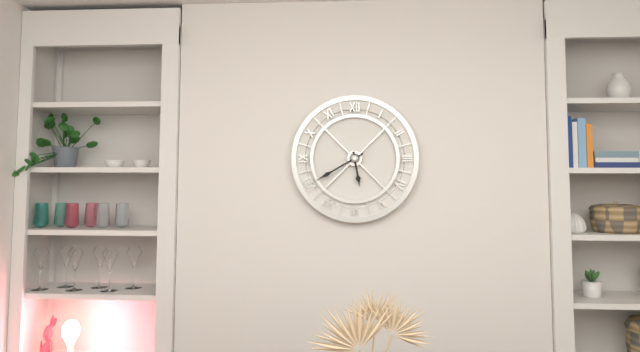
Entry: **5:40**
